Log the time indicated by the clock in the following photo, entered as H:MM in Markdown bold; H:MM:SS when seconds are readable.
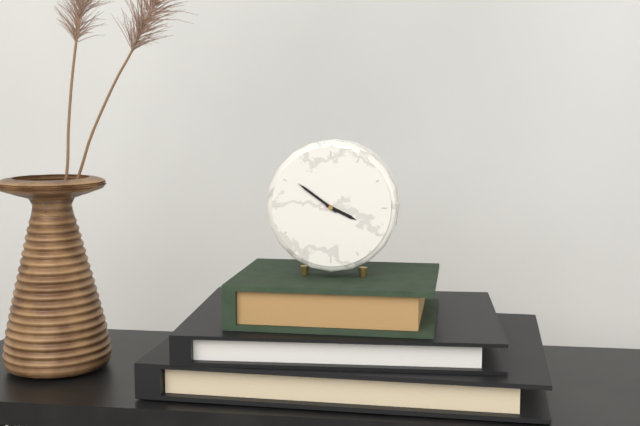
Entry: **3:51**
